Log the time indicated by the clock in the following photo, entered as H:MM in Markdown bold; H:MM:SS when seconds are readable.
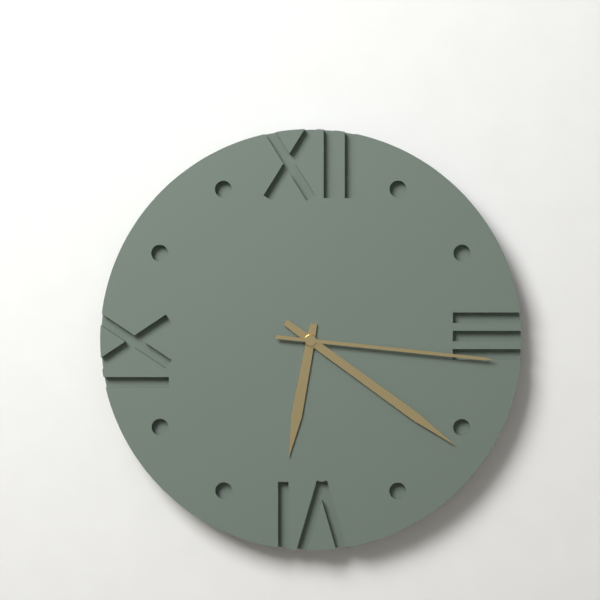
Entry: **6:21:16**
